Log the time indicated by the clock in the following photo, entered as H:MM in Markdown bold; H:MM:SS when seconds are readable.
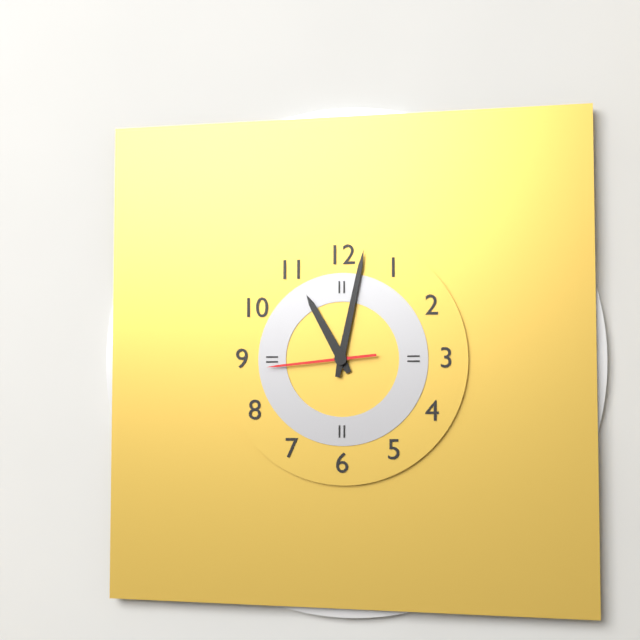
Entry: **11:02:44**
